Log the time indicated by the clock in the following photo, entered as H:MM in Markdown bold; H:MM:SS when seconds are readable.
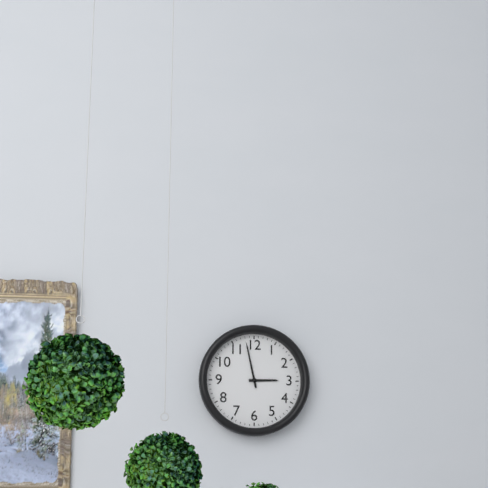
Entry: **2:58**
